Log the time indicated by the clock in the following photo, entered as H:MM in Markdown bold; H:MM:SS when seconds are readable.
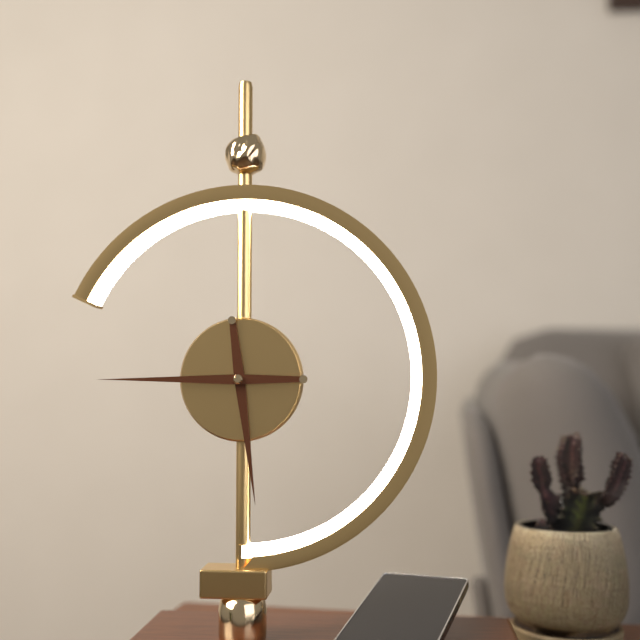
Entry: **5:45**
